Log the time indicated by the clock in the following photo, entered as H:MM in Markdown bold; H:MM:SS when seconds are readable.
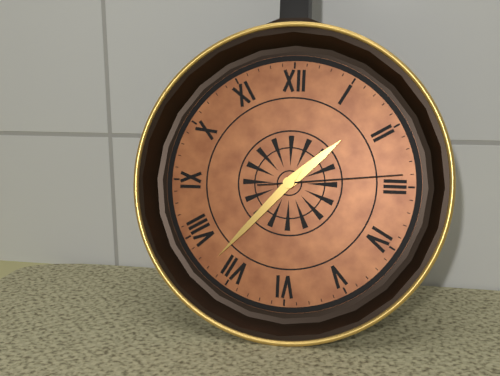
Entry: **1:37:14**
